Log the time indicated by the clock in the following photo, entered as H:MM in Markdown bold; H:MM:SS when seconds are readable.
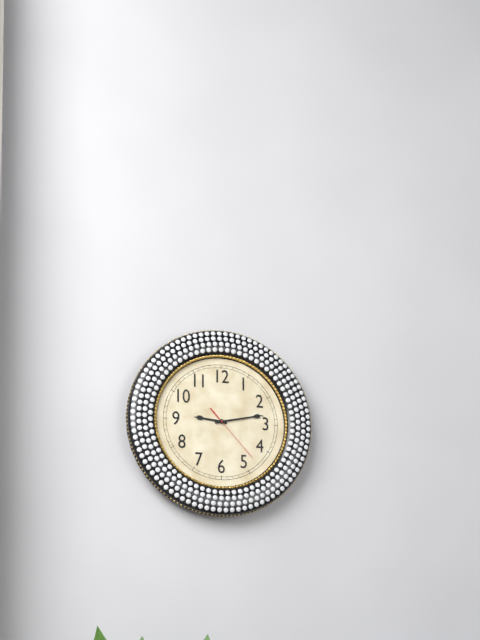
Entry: **9:13:23**
